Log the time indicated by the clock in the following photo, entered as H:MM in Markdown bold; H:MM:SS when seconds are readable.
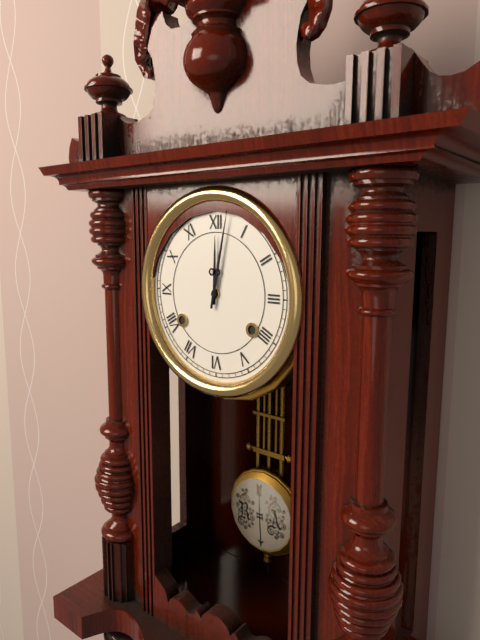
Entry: **12:02**
